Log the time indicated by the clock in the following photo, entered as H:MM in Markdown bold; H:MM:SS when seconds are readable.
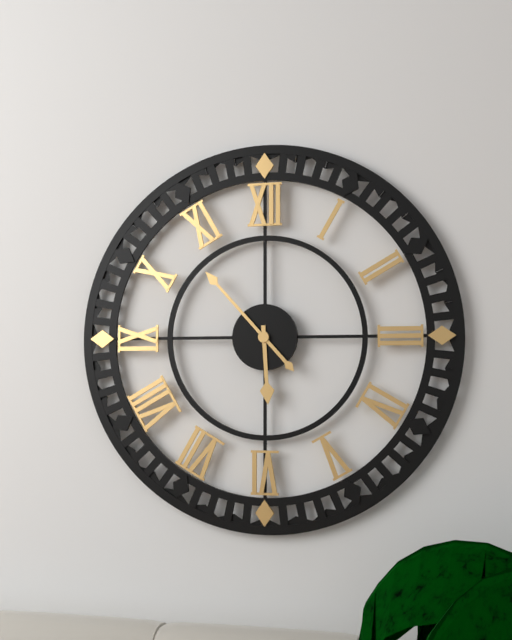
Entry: **5:53**
